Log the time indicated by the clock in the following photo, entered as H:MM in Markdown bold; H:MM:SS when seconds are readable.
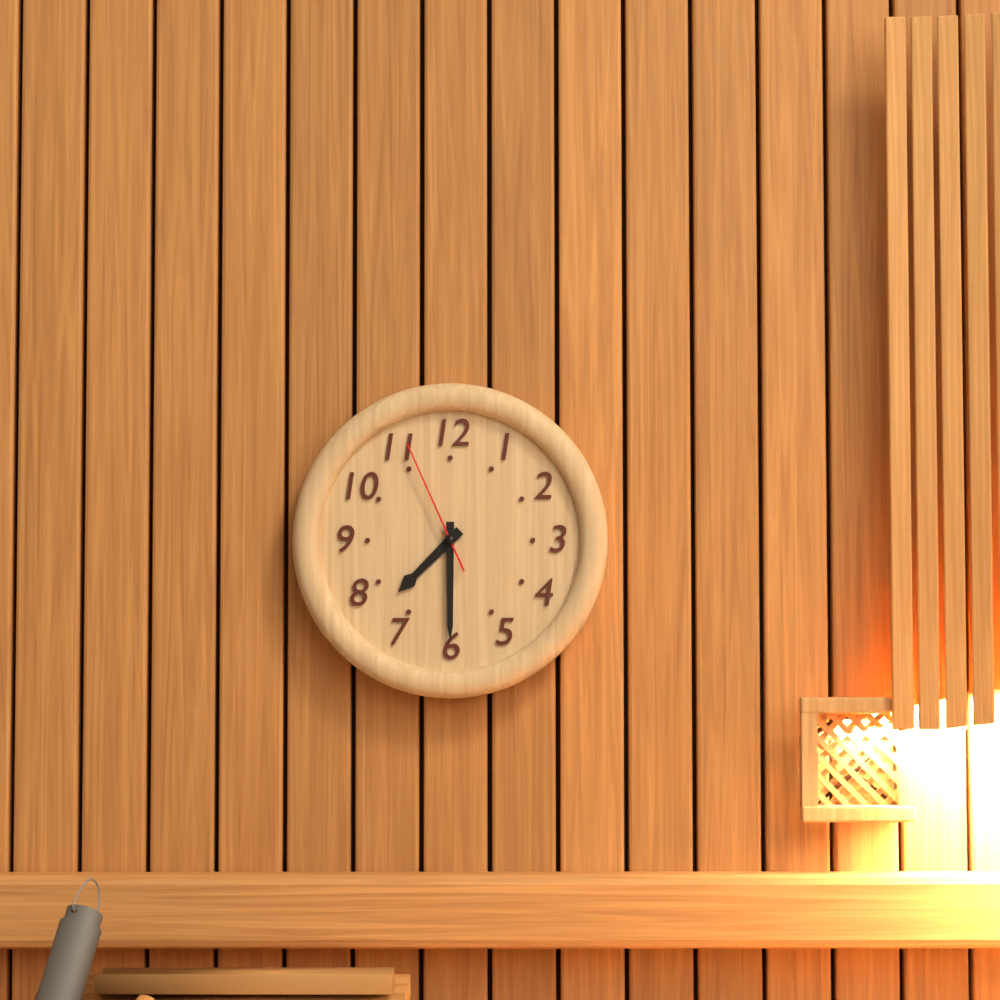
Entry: **7:30:56**
